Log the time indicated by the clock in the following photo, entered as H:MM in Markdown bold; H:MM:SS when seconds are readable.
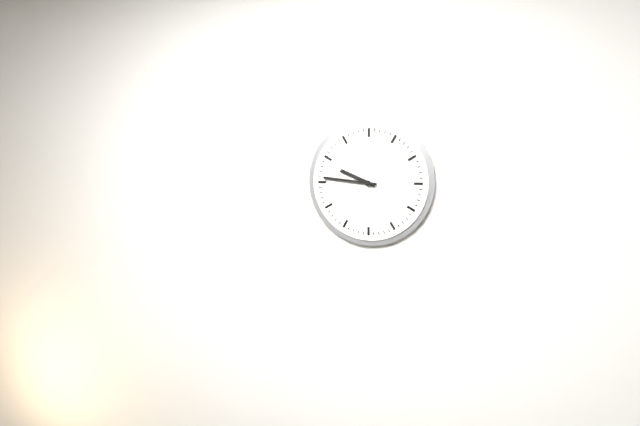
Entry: **9:46**
